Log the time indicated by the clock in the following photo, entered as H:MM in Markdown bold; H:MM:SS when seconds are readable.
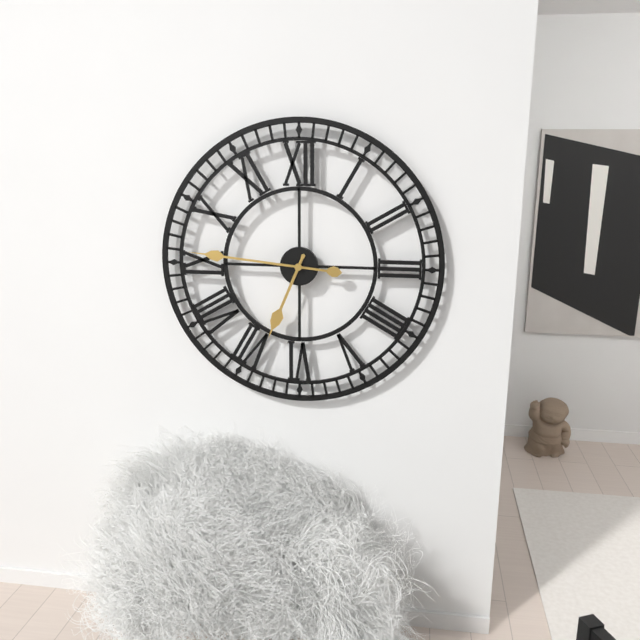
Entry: **6:46**
